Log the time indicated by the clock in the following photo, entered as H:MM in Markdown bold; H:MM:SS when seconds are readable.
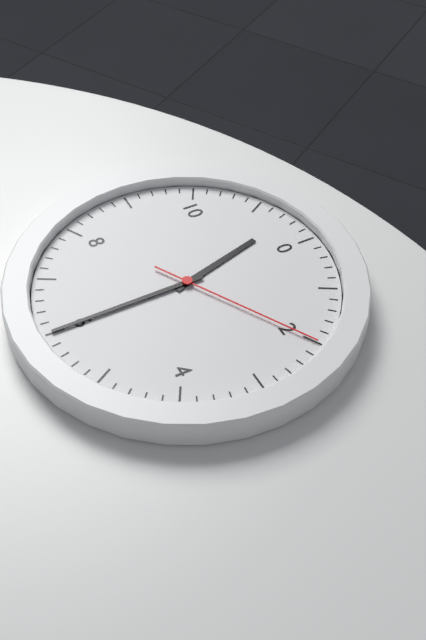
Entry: **11:30:10**
